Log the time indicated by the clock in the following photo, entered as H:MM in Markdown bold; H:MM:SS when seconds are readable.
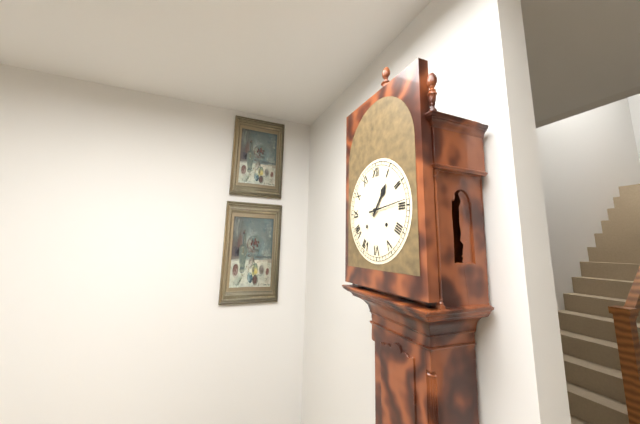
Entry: **1:14**
